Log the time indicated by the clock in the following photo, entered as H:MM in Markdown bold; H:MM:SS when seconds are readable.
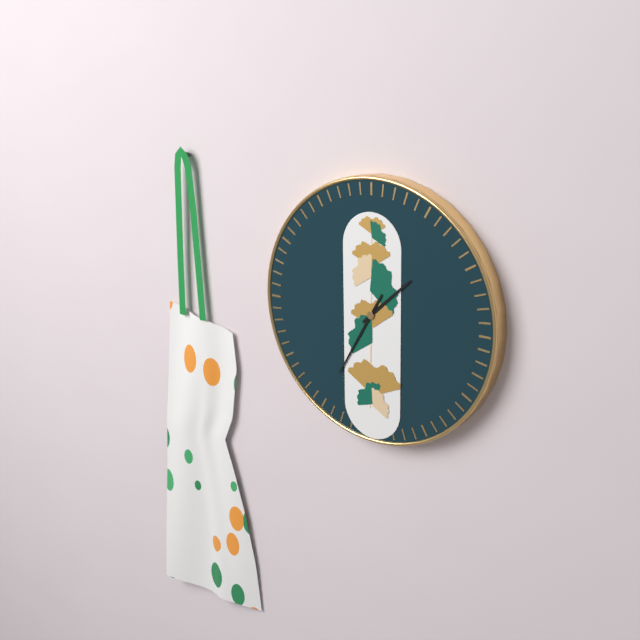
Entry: **1:35**
